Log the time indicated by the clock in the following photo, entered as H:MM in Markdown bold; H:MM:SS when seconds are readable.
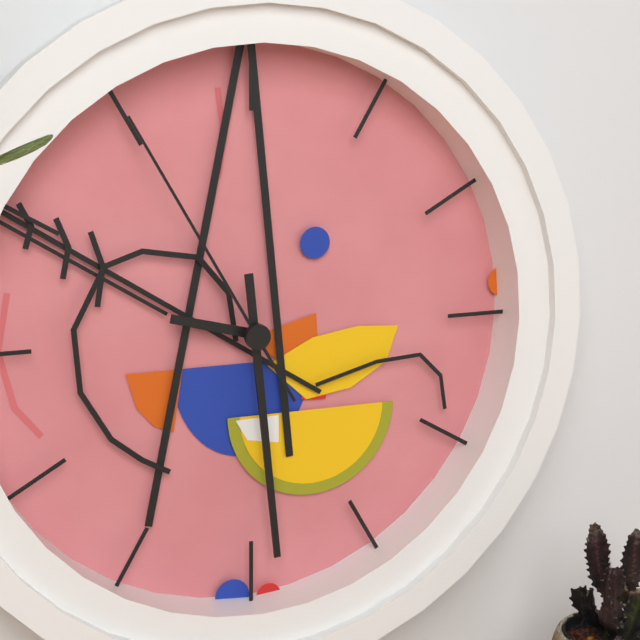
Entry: **9:29:55**
